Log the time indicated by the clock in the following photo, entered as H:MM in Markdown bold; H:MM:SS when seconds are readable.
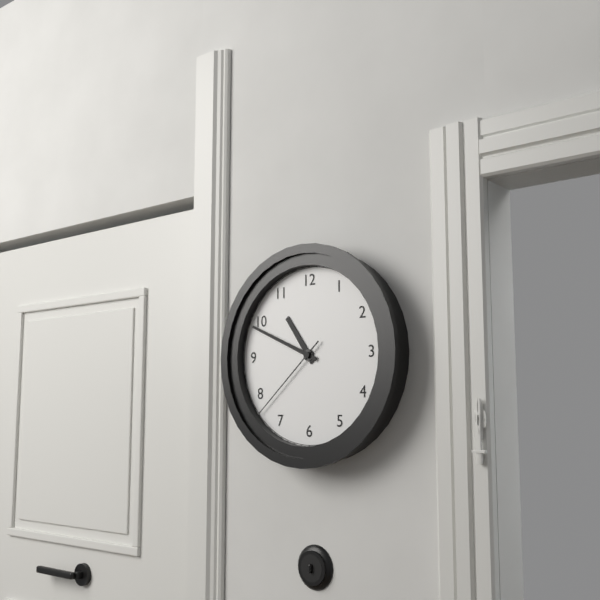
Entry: **10:49:38**
